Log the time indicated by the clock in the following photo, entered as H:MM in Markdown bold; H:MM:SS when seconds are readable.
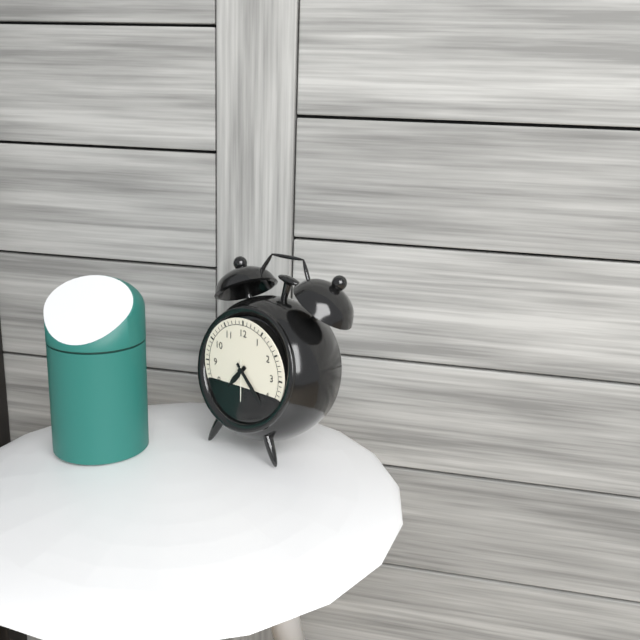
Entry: **7:23**
